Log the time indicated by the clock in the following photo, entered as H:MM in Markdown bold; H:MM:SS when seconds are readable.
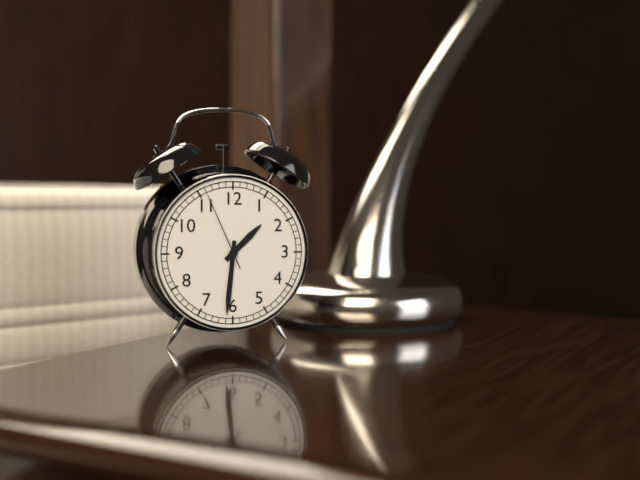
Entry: **1:31:56**
